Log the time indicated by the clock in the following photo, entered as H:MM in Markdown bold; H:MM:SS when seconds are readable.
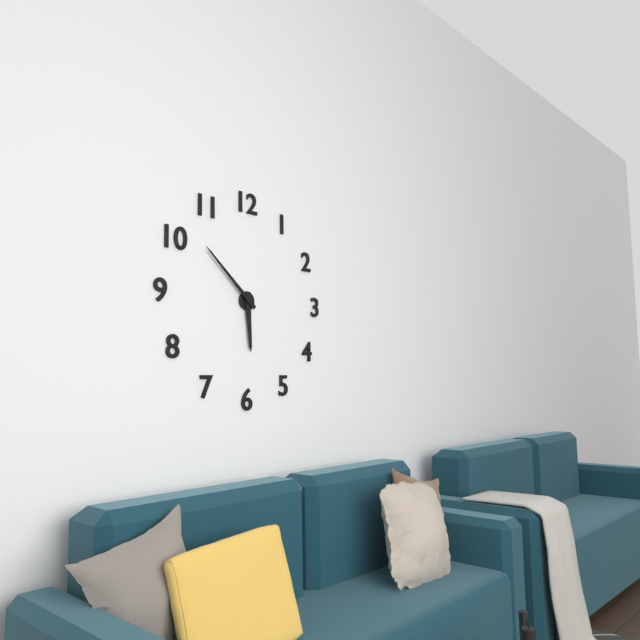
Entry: **5:52**
